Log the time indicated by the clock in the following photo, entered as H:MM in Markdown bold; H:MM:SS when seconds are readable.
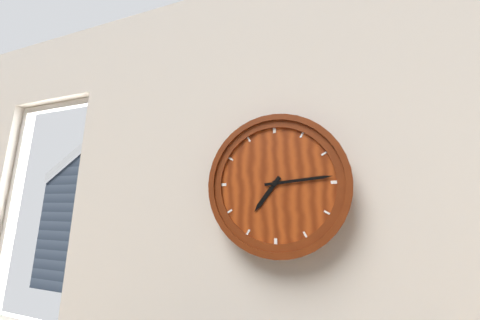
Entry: **7:14**
